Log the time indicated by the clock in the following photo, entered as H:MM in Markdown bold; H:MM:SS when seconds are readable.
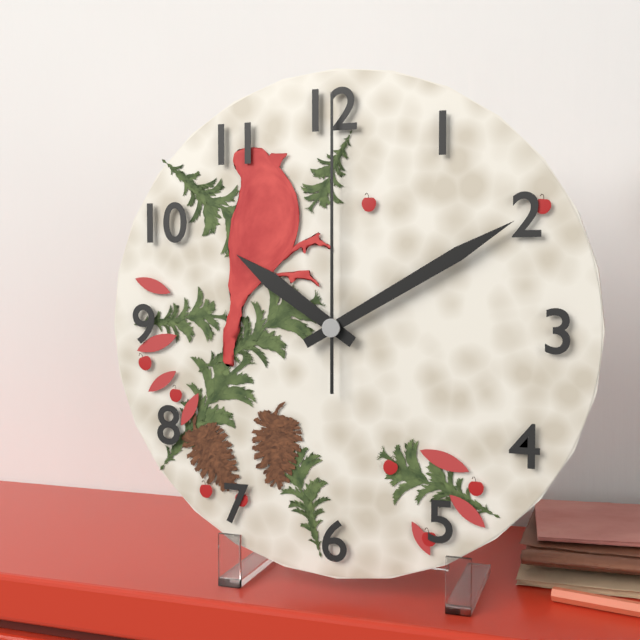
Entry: **10:10:00**
